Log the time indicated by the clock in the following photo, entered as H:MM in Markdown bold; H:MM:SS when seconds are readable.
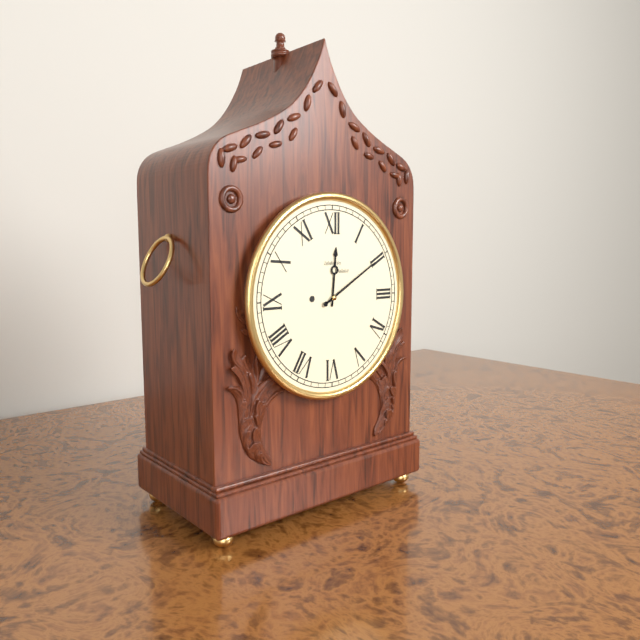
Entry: **12:10**
